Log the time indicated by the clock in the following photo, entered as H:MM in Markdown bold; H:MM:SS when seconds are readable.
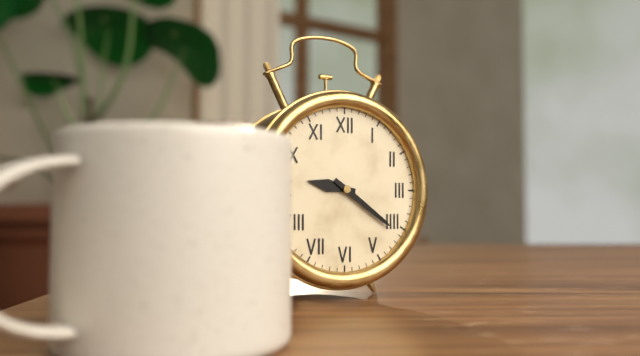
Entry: **9:21**
